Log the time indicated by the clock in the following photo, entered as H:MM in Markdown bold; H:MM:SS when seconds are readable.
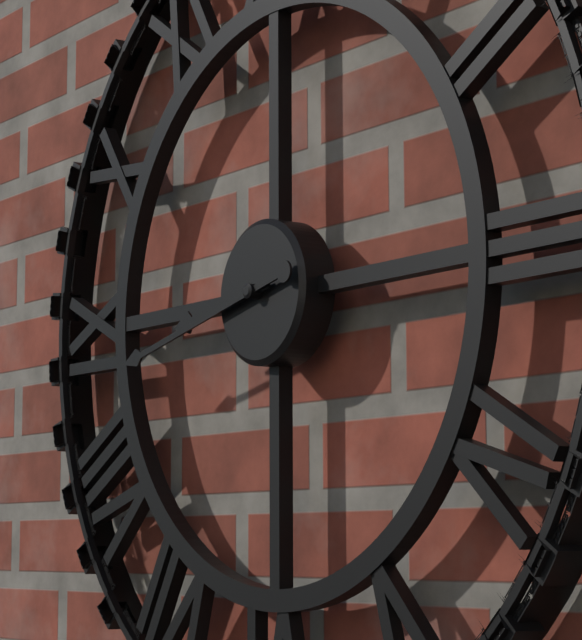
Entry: **8:43**
